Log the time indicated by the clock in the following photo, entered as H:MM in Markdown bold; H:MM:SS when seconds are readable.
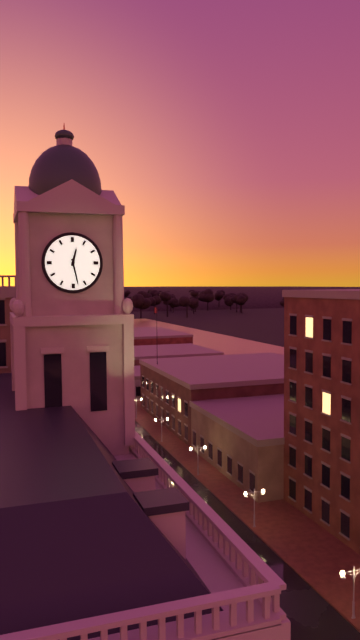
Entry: **12:28**
